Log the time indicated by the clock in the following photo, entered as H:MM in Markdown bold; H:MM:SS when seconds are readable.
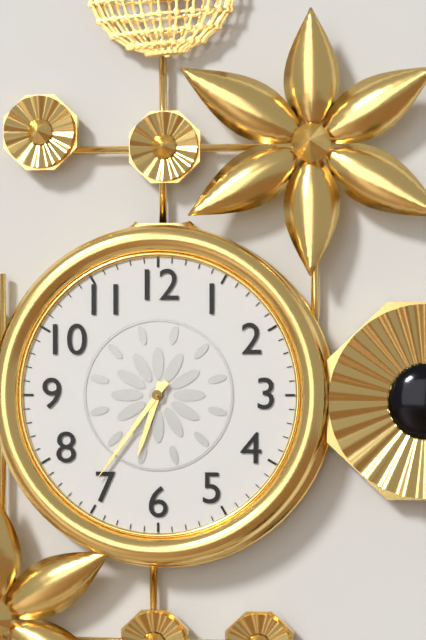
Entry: **6:36**
